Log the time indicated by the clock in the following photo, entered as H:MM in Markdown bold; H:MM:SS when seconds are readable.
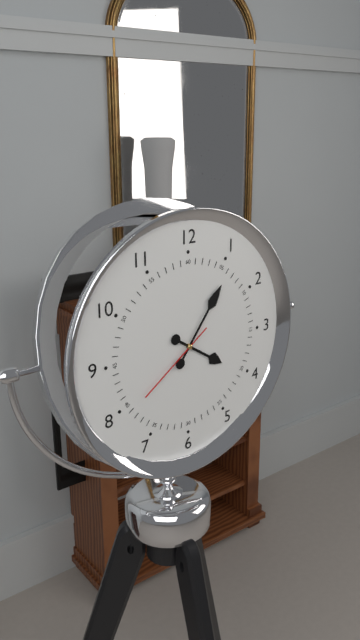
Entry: **4:06:39**
